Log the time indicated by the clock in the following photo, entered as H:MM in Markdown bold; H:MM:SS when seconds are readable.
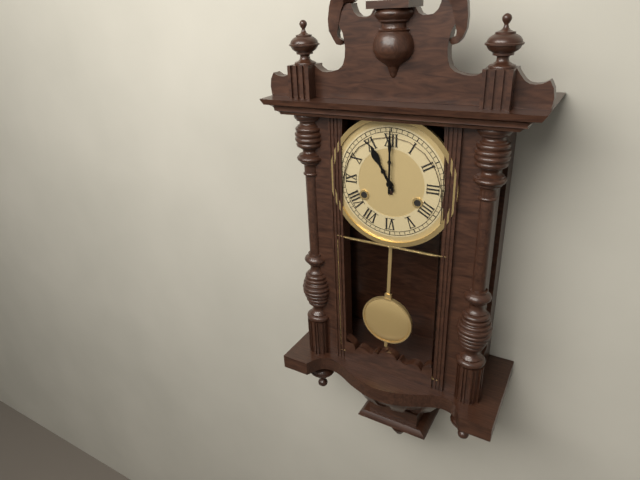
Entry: **11:00**
